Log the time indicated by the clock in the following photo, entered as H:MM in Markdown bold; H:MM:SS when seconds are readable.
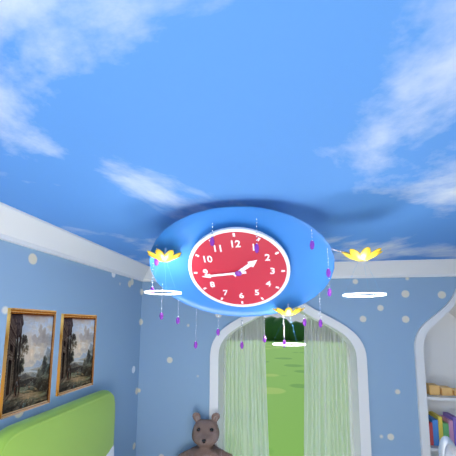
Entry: **1:44**
